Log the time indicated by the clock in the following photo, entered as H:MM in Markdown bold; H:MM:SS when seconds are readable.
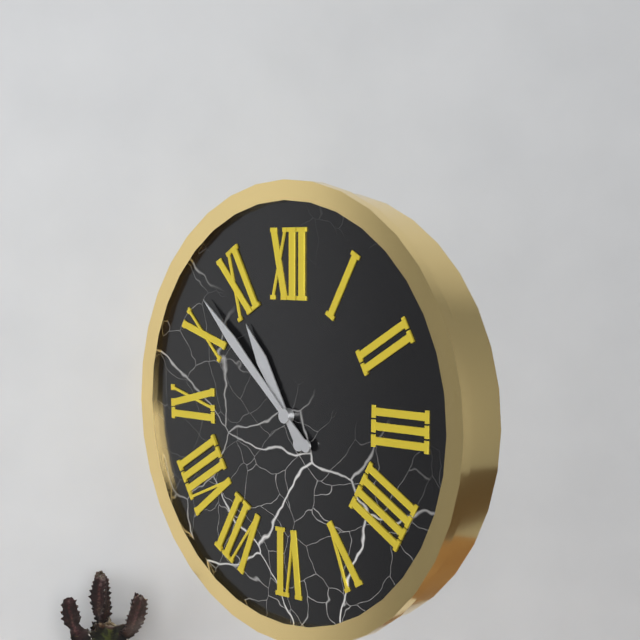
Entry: **10:52**
